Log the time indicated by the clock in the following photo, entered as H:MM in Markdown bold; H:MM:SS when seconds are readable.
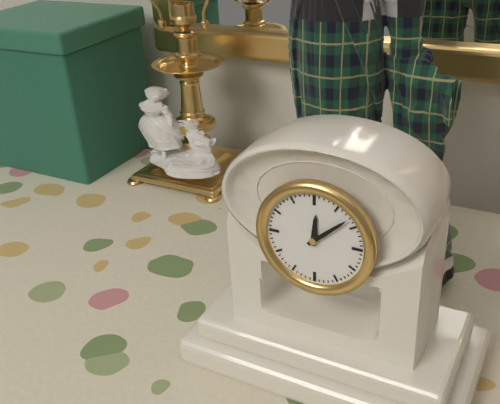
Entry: **12:08**
